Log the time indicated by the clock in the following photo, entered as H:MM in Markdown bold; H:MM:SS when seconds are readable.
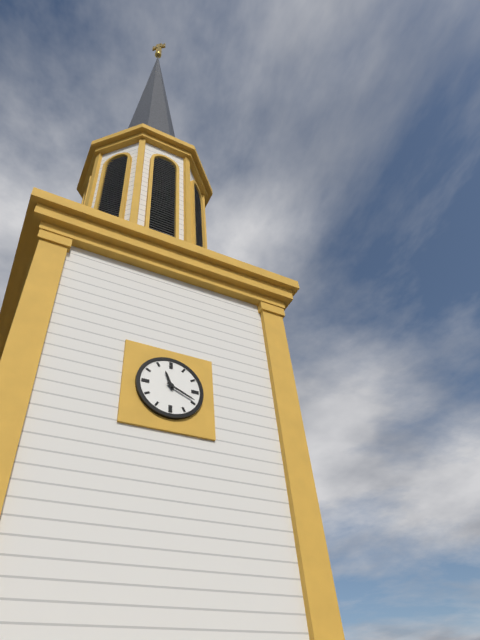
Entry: **11:19**
